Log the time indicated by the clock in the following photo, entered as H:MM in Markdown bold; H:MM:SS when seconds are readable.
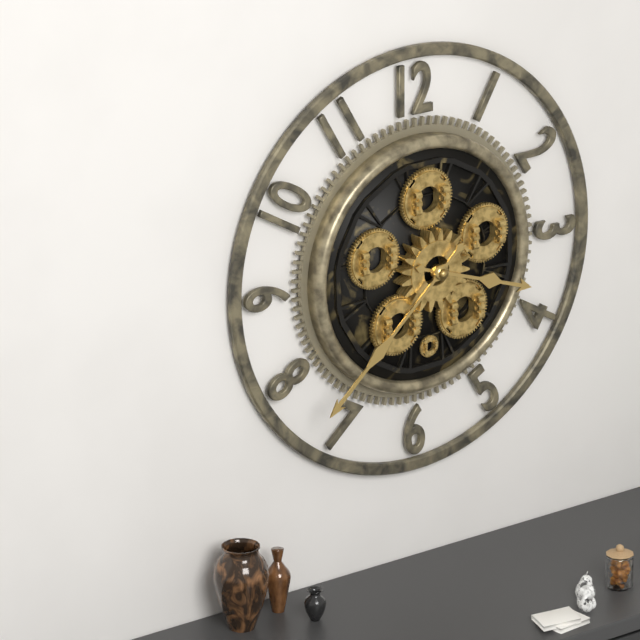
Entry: **3:38**
